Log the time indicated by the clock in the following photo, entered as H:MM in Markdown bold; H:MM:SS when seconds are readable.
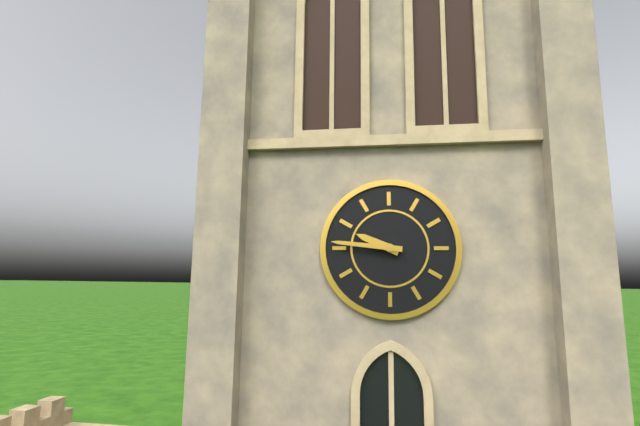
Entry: **9:46**
